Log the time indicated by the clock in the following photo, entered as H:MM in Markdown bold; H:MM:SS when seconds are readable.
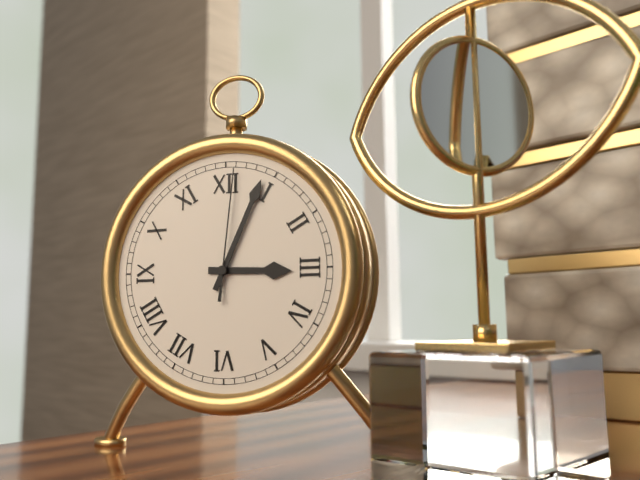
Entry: **3:04:01**
